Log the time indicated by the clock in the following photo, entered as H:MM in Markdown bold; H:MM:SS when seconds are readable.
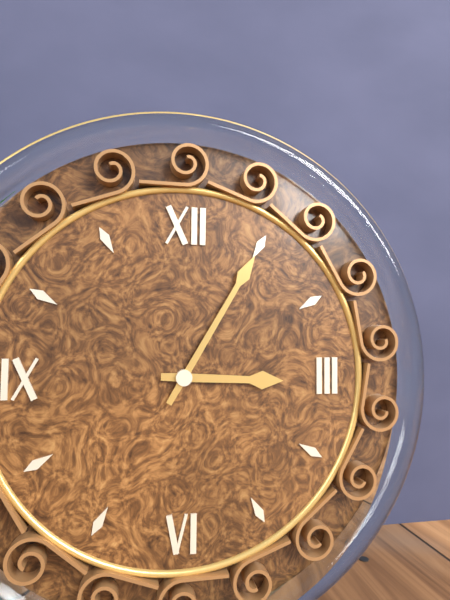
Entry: **3:05**
